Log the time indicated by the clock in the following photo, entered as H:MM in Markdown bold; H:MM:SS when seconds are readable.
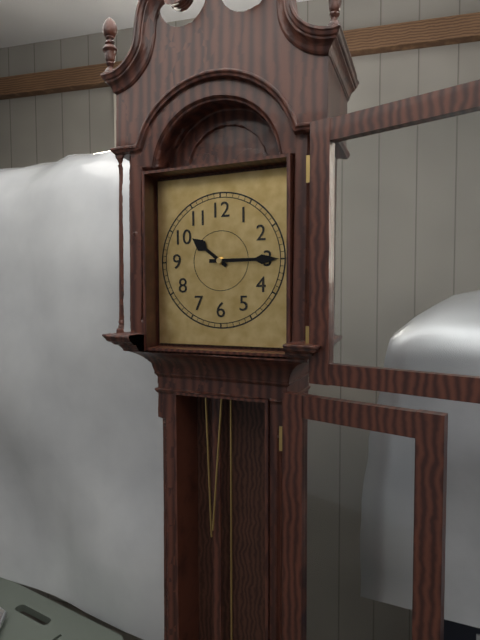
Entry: **10:15**
